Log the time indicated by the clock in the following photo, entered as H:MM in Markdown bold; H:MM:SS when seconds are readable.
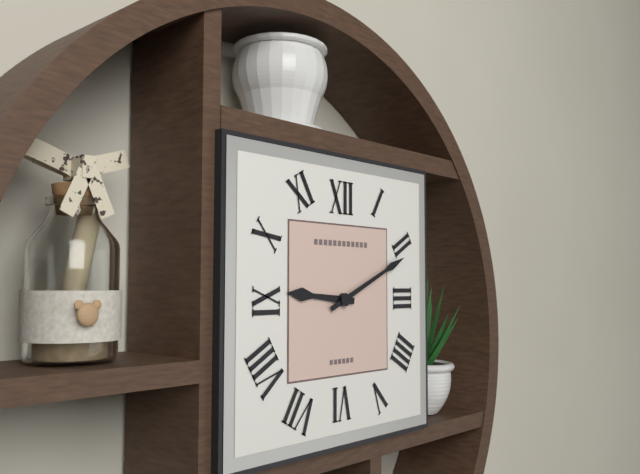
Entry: **9:11**
